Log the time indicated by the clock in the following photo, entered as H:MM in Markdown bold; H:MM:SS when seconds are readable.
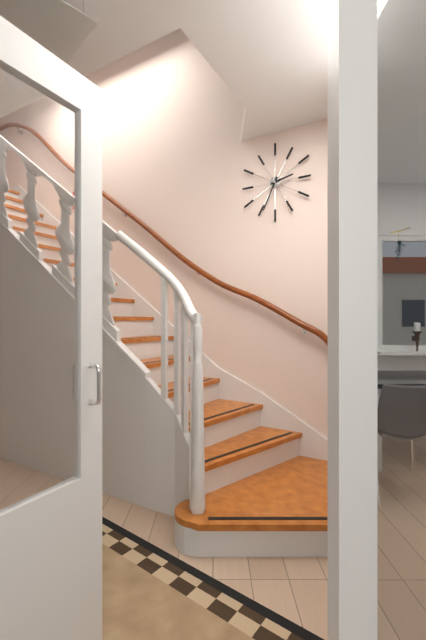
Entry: **2:34**
